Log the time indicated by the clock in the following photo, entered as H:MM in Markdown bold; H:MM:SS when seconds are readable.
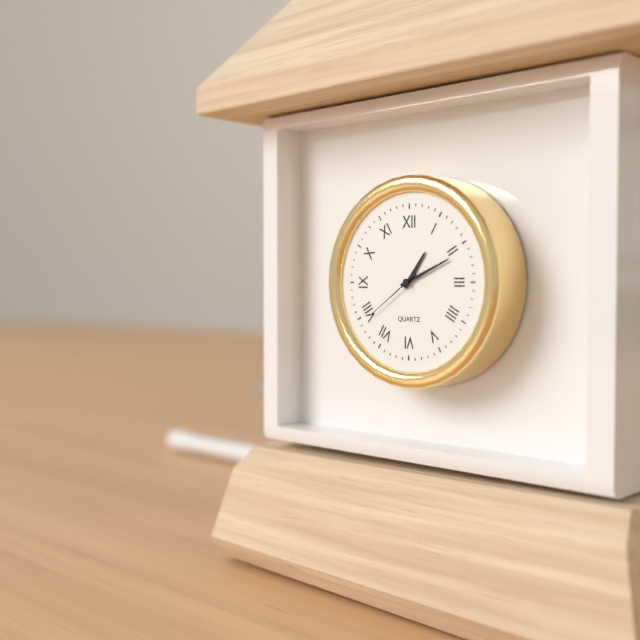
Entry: **1:11:39**
